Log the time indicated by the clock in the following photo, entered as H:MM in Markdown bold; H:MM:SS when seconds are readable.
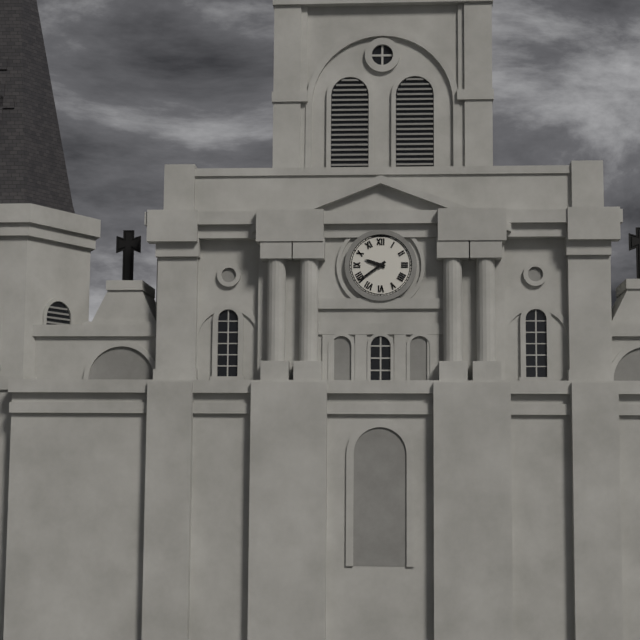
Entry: **9:39**
